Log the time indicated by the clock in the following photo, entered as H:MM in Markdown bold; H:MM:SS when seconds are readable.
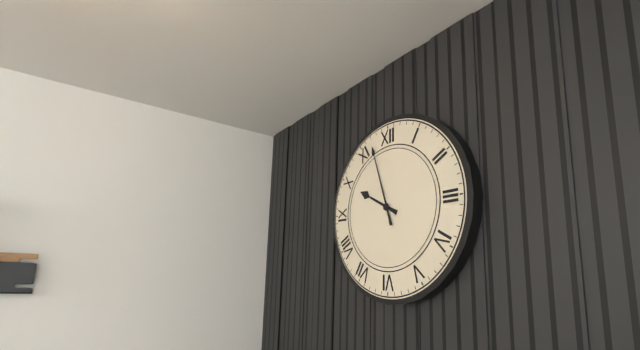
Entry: **9:57**
